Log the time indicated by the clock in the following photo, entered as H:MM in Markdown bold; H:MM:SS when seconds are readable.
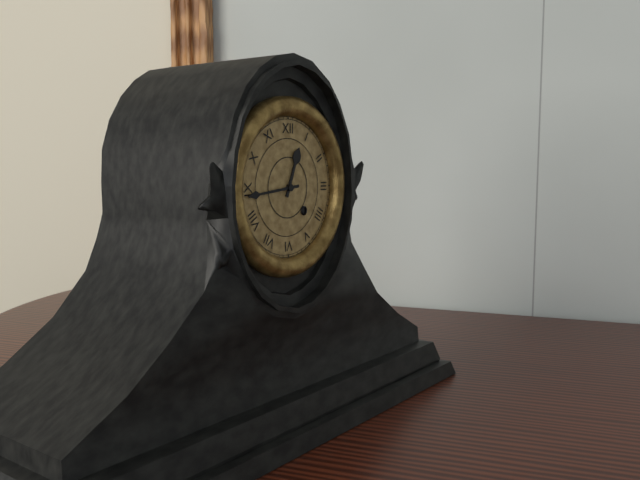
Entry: **12:44**
